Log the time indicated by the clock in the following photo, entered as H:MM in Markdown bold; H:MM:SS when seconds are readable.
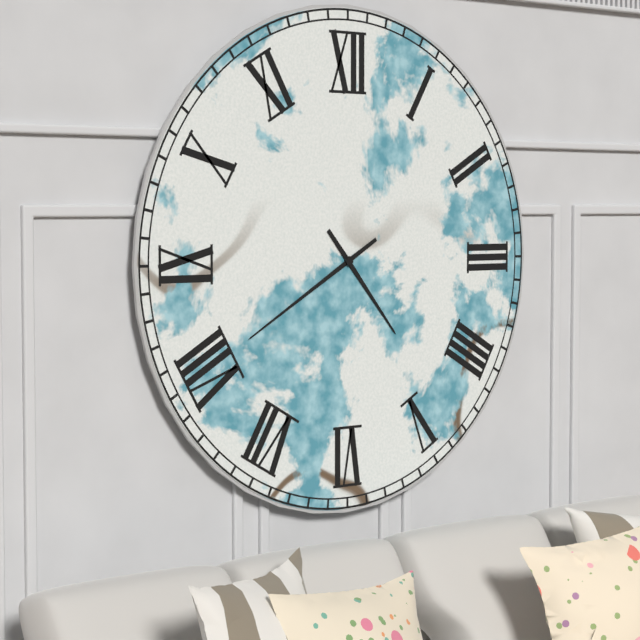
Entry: **4:40**
